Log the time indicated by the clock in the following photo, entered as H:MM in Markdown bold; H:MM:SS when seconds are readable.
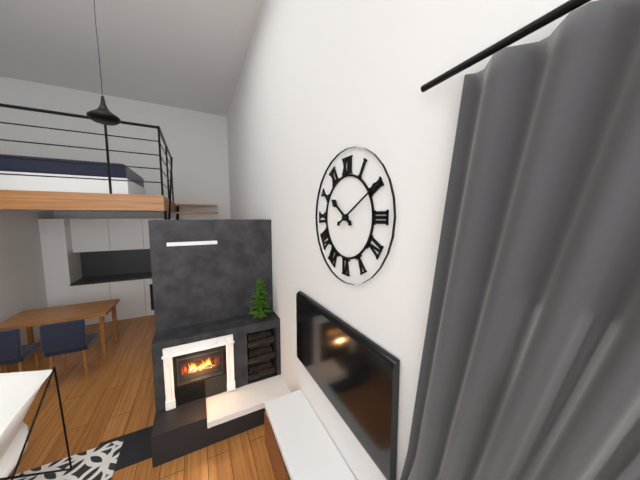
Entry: **10:10**
